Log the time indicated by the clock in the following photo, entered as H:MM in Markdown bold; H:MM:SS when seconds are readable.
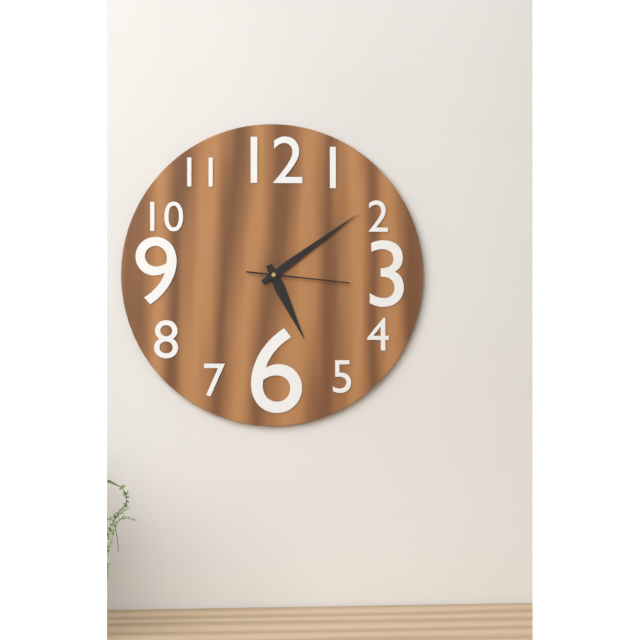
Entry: **5:09:16**
